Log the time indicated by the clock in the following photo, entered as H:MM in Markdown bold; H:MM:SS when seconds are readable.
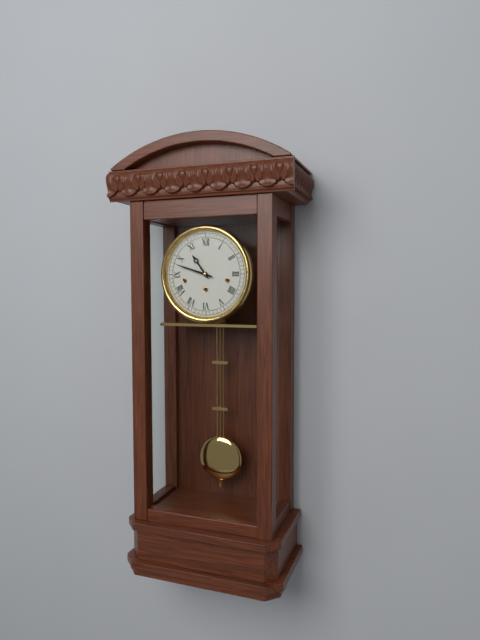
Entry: **10:48**
